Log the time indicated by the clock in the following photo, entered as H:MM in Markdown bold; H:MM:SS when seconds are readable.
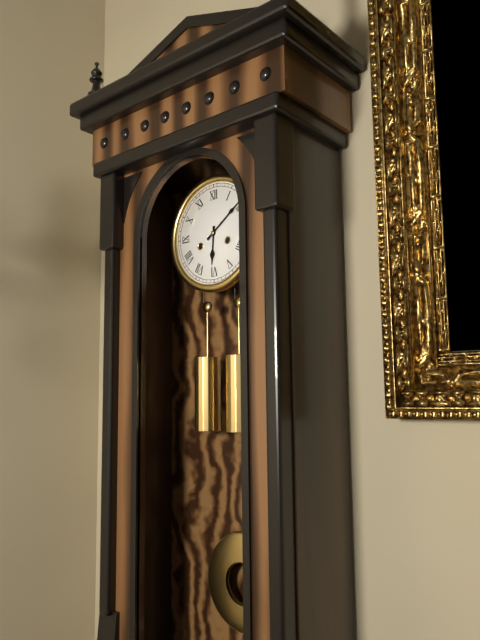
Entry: **6:09**
